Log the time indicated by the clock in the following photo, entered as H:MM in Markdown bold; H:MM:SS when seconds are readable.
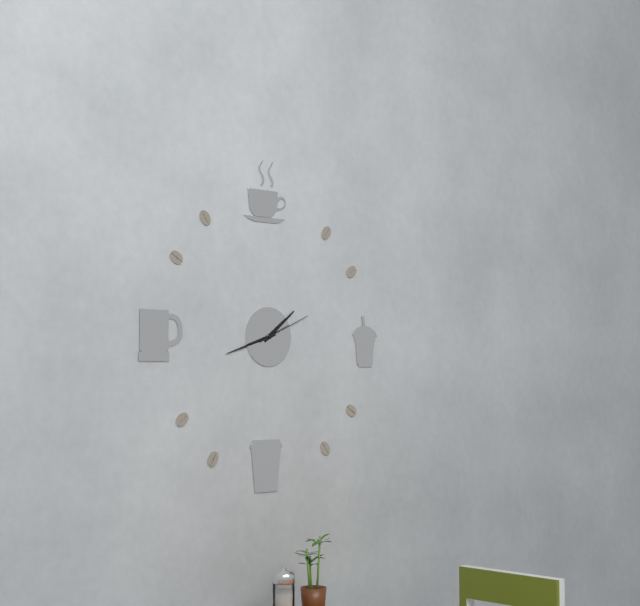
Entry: **1:42:11**
